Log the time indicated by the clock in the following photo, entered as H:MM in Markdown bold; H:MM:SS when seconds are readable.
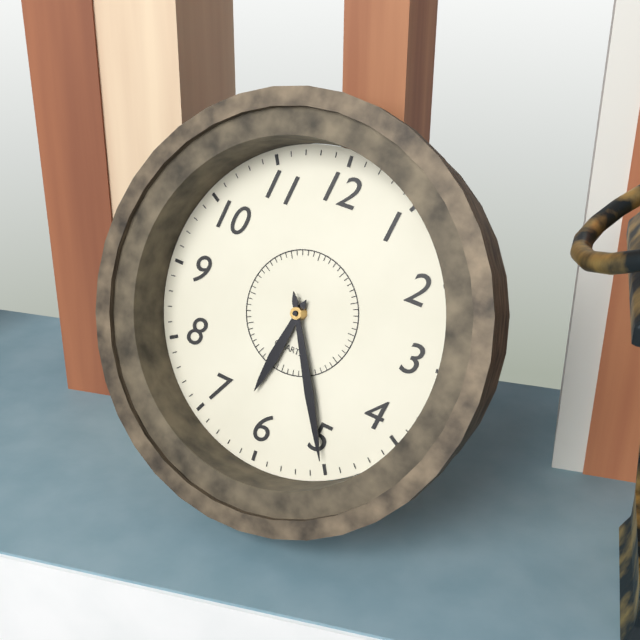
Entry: **6:25**
